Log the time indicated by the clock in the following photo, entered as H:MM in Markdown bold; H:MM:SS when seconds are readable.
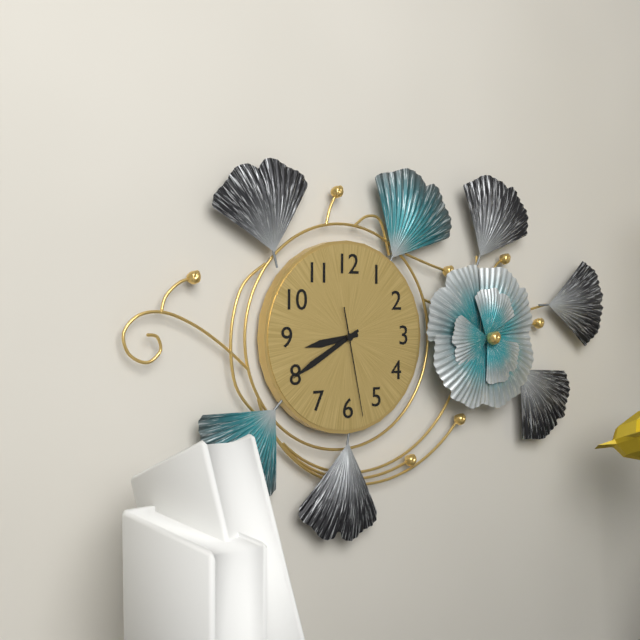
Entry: **8:40:28**
